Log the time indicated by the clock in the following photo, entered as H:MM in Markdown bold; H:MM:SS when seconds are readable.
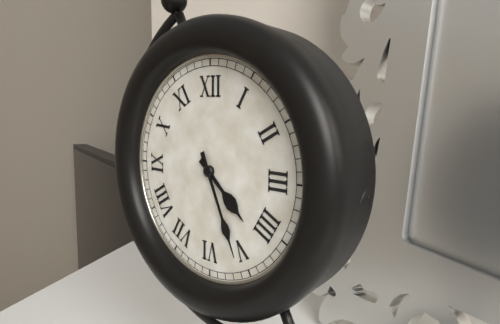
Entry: **4:26**
